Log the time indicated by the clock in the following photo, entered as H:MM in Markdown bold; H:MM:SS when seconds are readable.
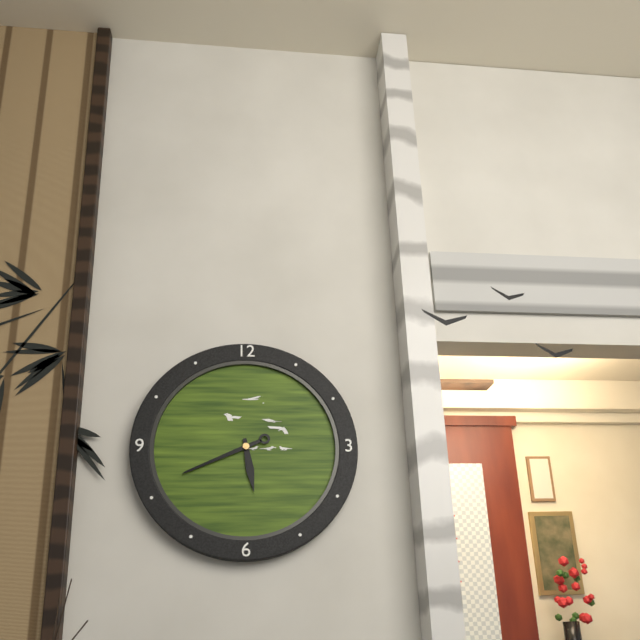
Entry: **5:41**
